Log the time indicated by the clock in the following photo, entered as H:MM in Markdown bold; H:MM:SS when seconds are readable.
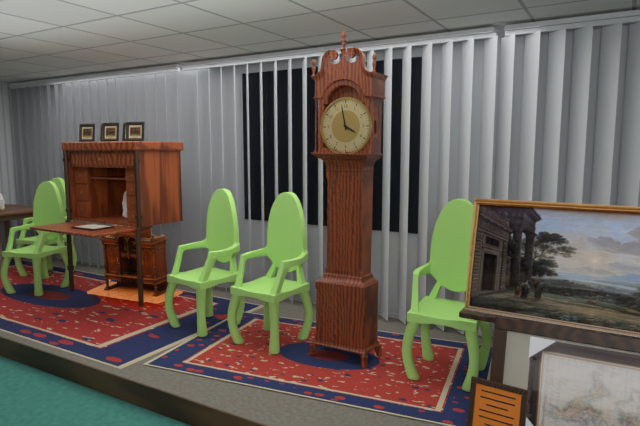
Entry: **3:58**
